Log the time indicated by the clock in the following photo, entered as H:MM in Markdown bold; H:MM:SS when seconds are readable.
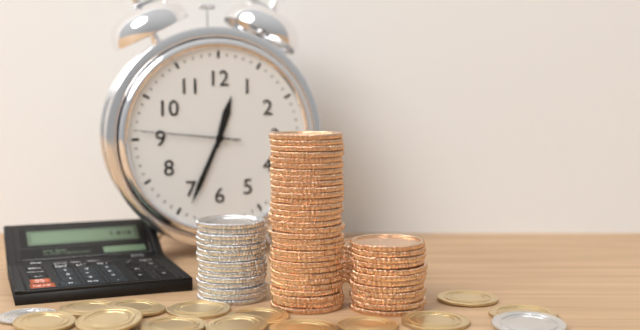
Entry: **12:34:46**
